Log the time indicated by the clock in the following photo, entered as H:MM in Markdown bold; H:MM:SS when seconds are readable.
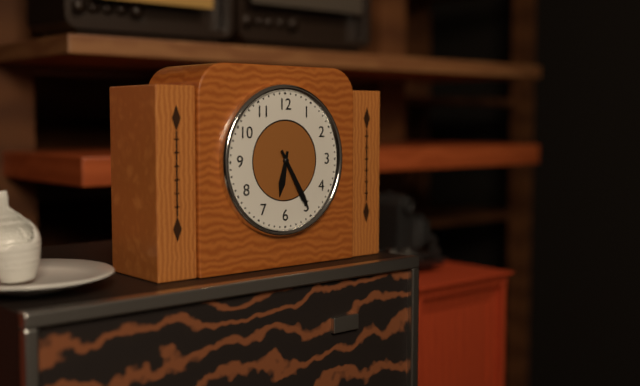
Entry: **6:25**
